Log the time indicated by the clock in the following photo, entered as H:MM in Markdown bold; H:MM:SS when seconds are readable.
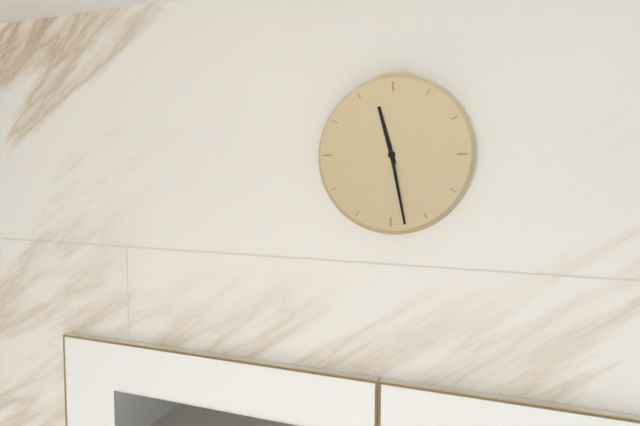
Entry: **11:28**
